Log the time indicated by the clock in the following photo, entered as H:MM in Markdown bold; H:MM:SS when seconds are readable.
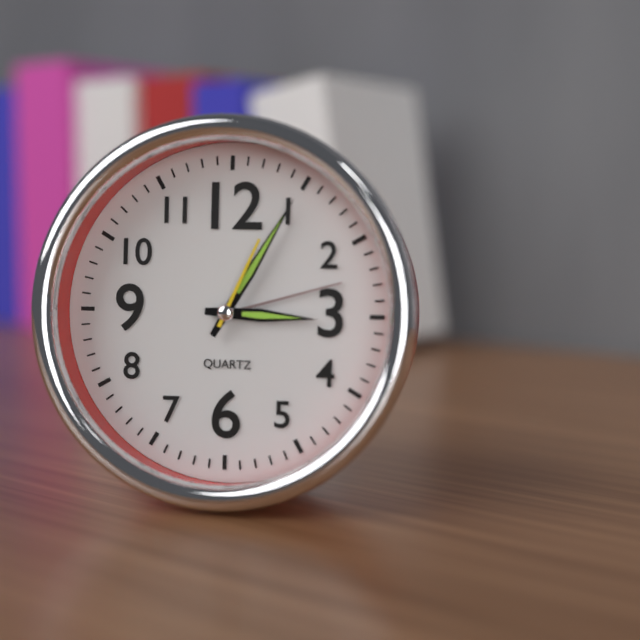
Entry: **3:05:04**
